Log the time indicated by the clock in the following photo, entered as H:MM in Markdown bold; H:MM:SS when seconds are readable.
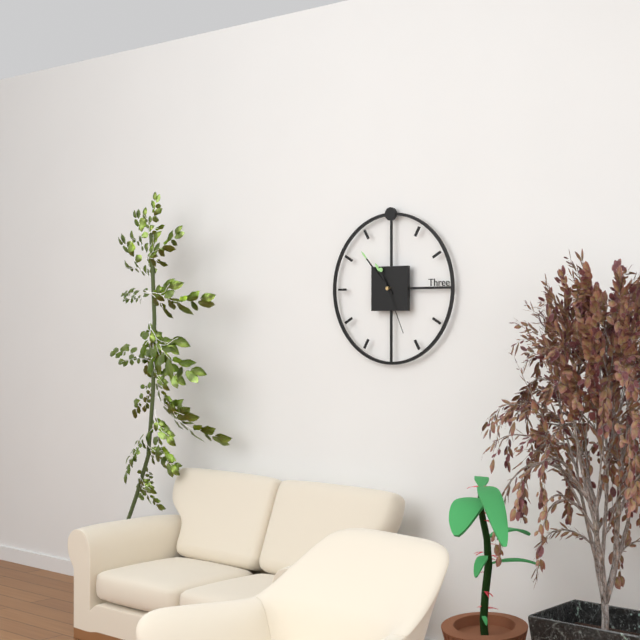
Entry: **10:53:26**
